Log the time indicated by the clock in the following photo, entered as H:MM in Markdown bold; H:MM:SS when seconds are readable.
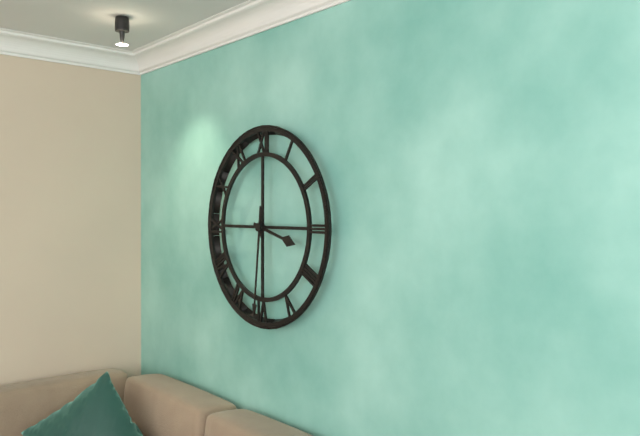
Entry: **3:31**
